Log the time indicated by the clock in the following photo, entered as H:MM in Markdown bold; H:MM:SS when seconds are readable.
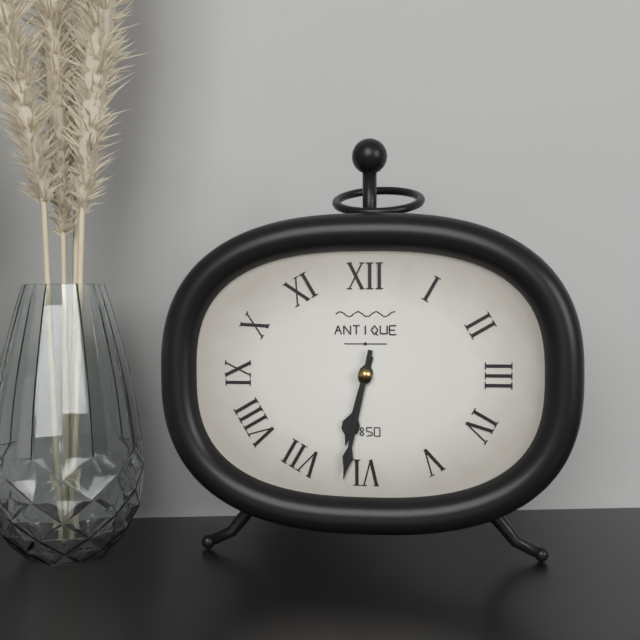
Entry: **6:32**
